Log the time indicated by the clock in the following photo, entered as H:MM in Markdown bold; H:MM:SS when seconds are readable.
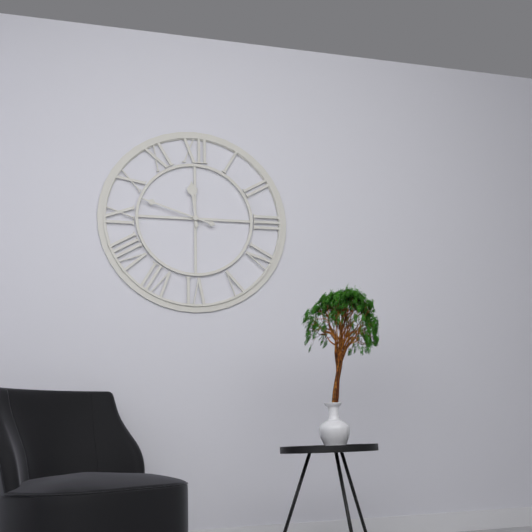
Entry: **11:48**
